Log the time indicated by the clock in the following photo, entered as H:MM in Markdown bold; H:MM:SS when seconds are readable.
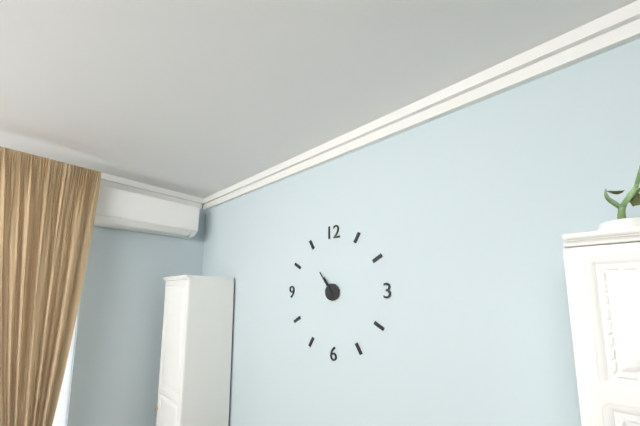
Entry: **10:54**
